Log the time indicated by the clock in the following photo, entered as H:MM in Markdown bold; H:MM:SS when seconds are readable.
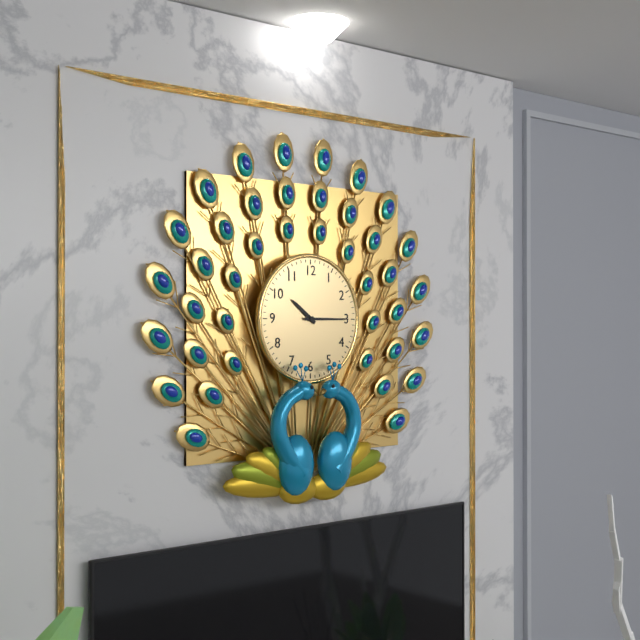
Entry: **10:15**
